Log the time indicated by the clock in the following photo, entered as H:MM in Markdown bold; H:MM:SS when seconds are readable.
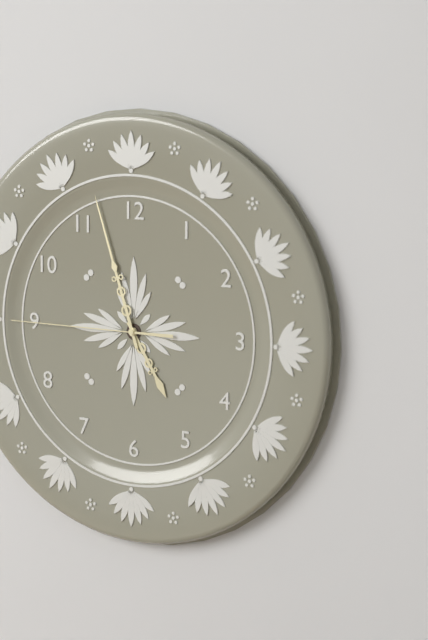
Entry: **4:57:45**
